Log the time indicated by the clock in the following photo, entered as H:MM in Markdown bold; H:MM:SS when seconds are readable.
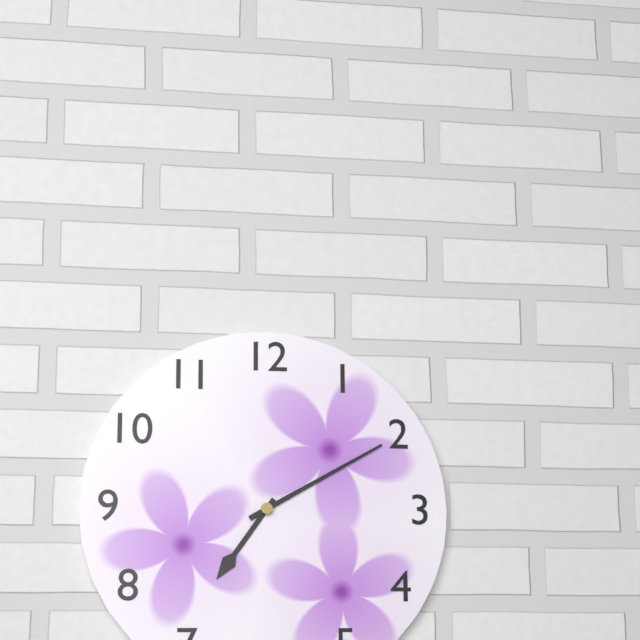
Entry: **7:10**
